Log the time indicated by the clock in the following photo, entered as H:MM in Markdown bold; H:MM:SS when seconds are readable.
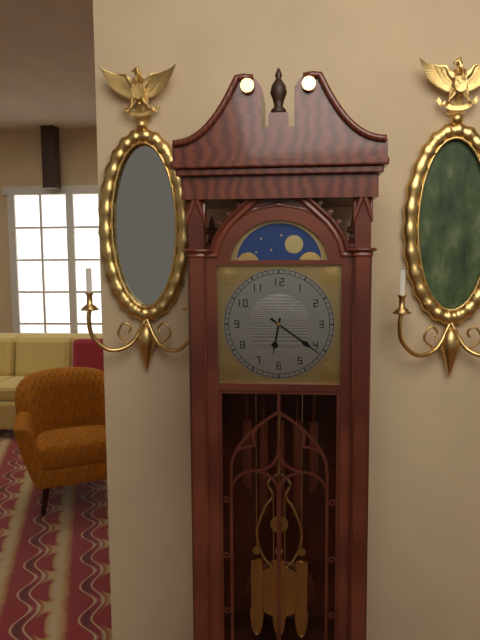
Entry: **6:21**
